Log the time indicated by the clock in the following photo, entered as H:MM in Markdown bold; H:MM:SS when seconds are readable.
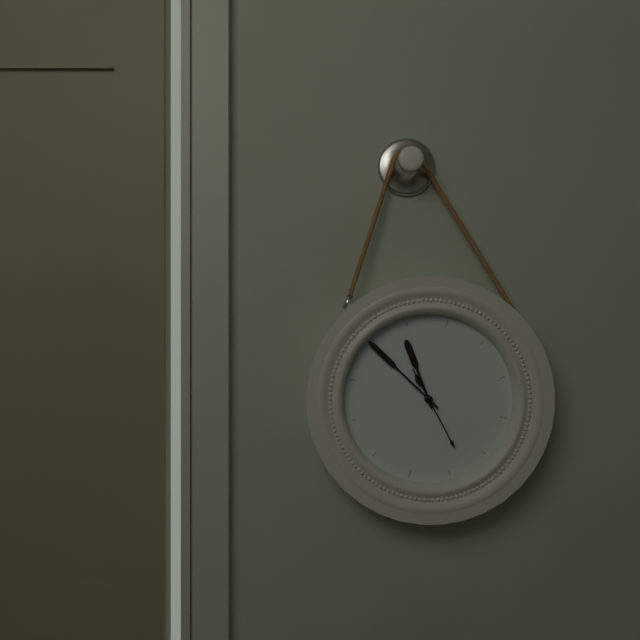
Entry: **10:50:23**
